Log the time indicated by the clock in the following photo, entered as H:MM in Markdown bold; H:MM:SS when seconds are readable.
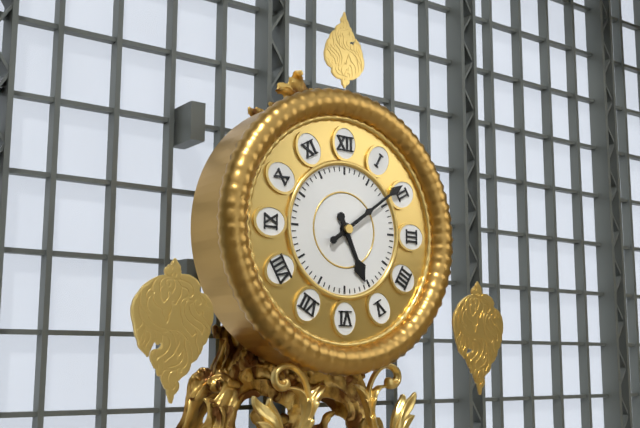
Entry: **5:09**
